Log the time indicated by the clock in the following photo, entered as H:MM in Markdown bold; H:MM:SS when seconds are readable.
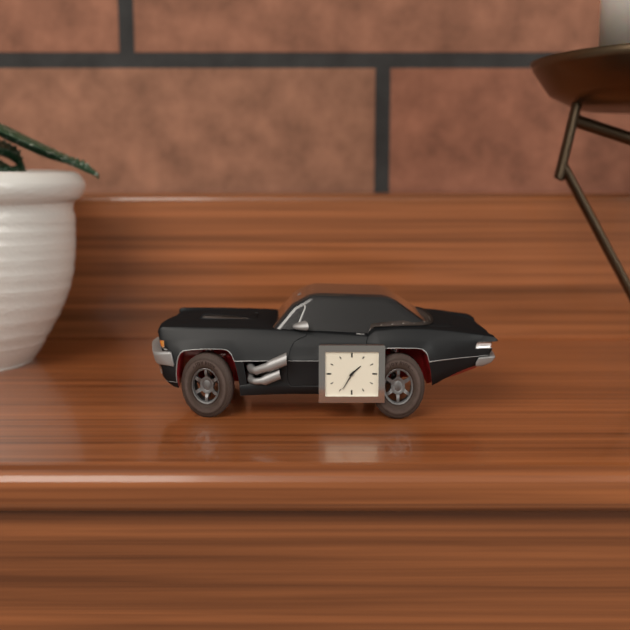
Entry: **1:35**
